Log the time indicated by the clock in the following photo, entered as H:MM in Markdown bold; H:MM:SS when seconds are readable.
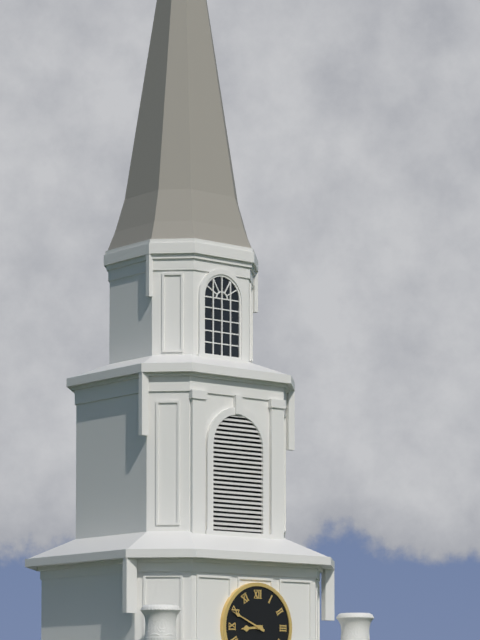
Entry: **8:49**
